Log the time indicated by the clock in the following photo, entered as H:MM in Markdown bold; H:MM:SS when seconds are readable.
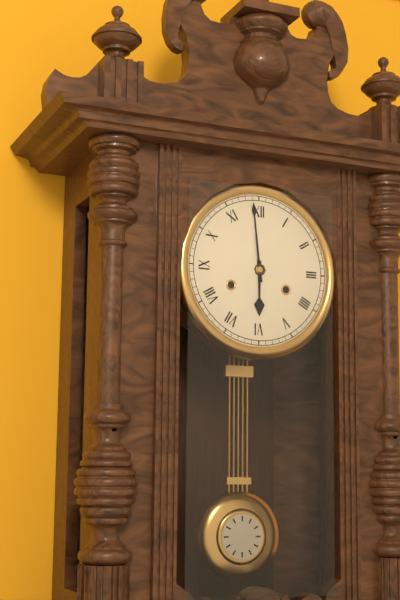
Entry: **5:59**
